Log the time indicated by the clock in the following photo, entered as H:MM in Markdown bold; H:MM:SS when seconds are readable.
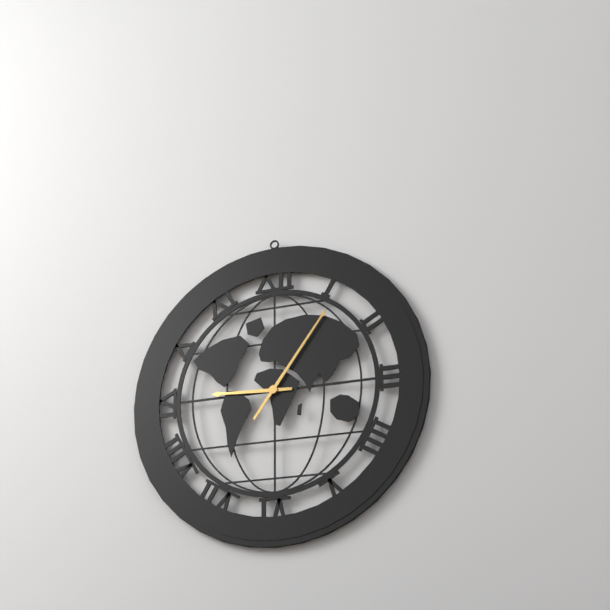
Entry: **9:06**
